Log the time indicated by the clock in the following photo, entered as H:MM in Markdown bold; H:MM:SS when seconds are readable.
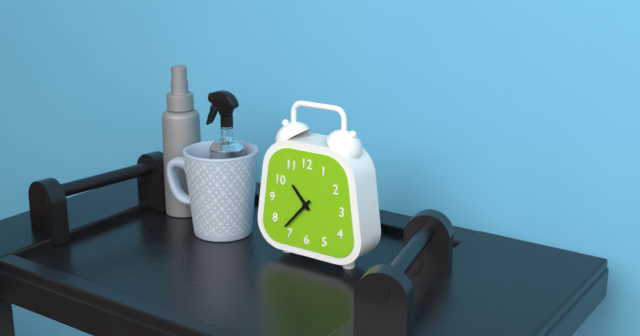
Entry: **10:37**
